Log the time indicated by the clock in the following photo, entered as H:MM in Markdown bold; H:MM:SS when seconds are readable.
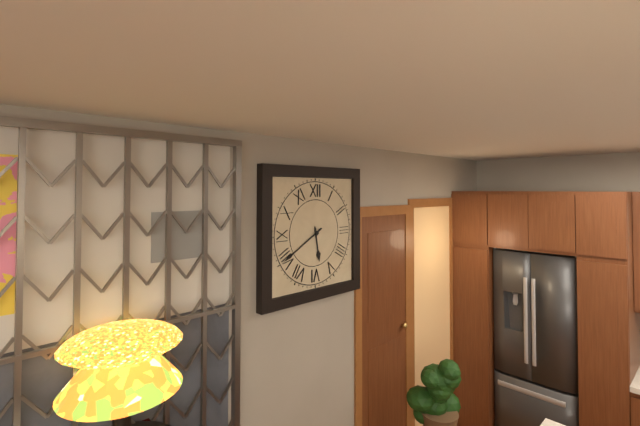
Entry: **5:40**
